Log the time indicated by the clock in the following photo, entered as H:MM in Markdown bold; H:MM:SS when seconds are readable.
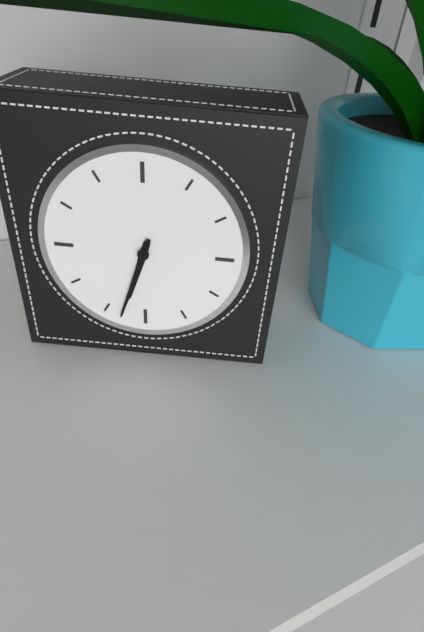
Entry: **6:33**
